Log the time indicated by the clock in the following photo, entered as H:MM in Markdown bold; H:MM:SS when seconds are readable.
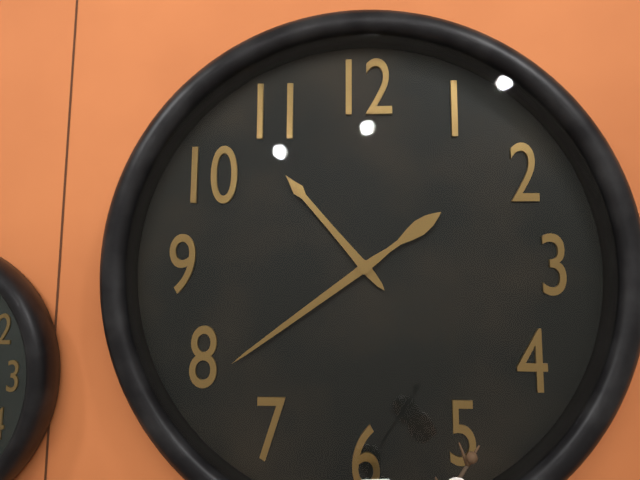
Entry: **10:39**
